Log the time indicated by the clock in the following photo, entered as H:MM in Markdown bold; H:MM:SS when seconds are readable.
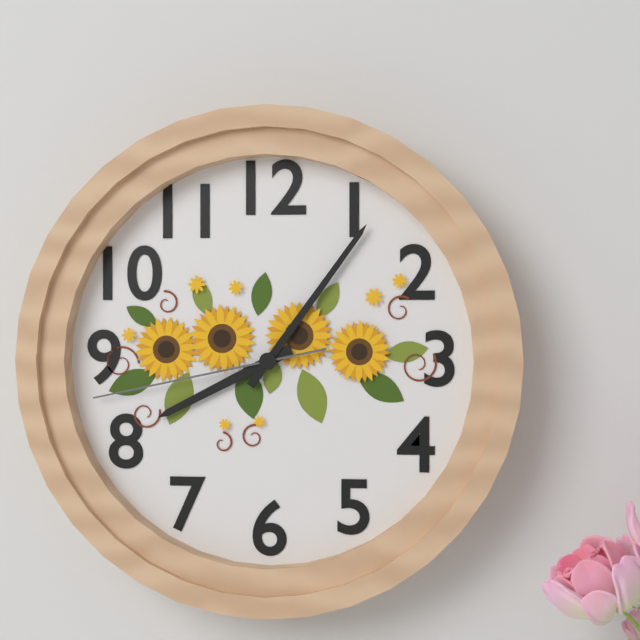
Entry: **8:06:43**
